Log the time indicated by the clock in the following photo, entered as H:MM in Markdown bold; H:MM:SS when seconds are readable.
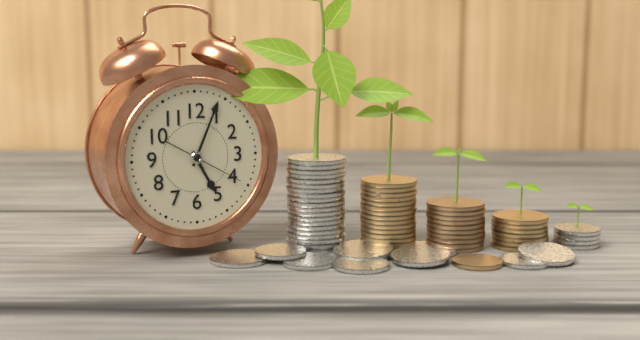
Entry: **5:04:20**
